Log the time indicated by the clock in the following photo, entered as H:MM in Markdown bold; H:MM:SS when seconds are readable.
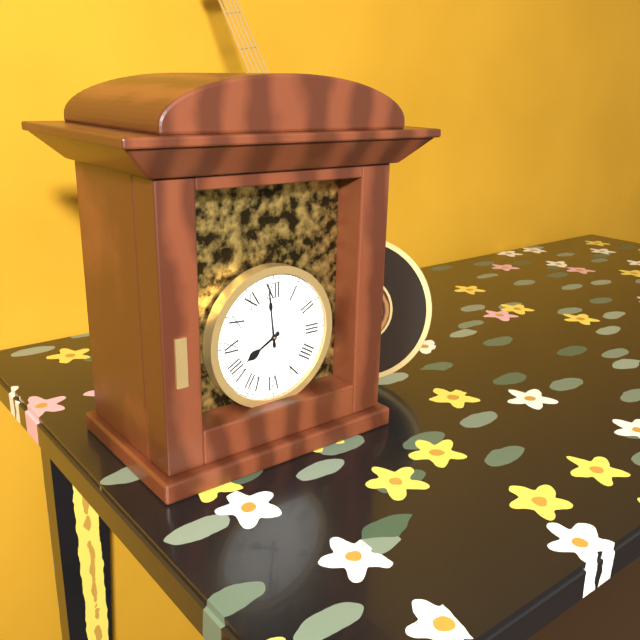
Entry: **7:59**
